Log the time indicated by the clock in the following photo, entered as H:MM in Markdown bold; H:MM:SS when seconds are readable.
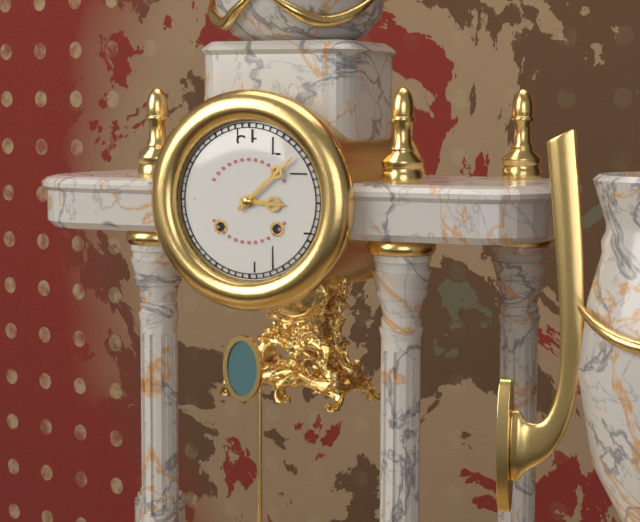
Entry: **3:08**
